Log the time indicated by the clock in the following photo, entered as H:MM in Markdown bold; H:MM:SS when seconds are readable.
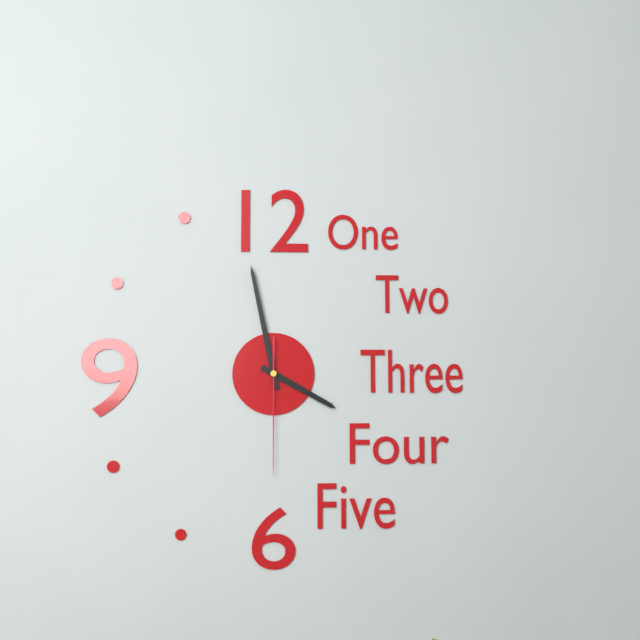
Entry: **3:58:30**
